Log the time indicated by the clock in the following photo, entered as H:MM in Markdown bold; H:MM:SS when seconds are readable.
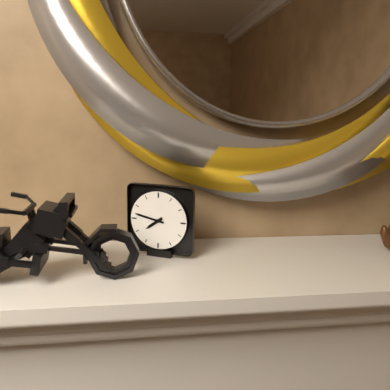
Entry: **7:47**
